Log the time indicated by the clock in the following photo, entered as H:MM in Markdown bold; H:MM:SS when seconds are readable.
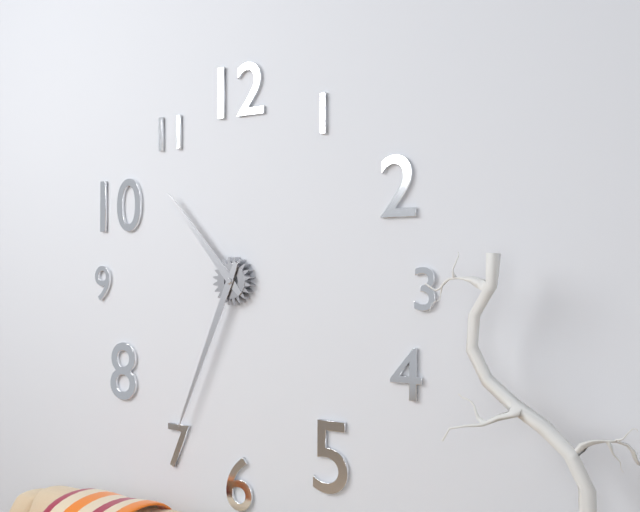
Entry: **10:34**
